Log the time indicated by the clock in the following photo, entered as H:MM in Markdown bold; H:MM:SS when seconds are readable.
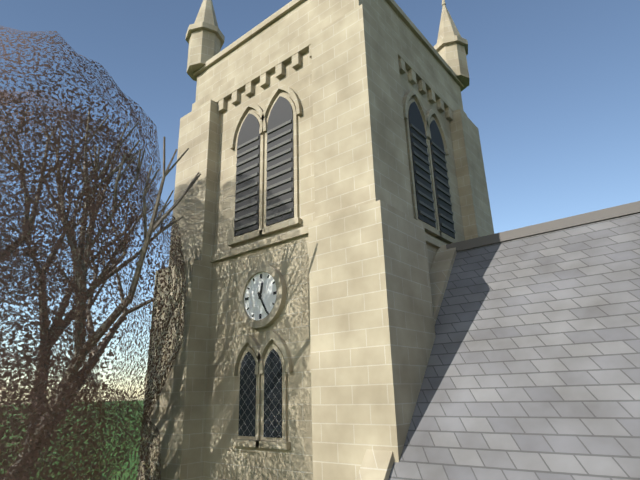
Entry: **12:25**
